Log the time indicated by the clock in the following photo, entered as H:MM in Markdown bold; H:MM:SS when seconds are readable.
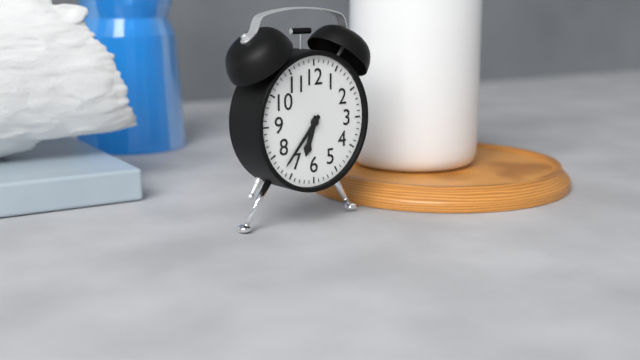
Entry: **6:37**
